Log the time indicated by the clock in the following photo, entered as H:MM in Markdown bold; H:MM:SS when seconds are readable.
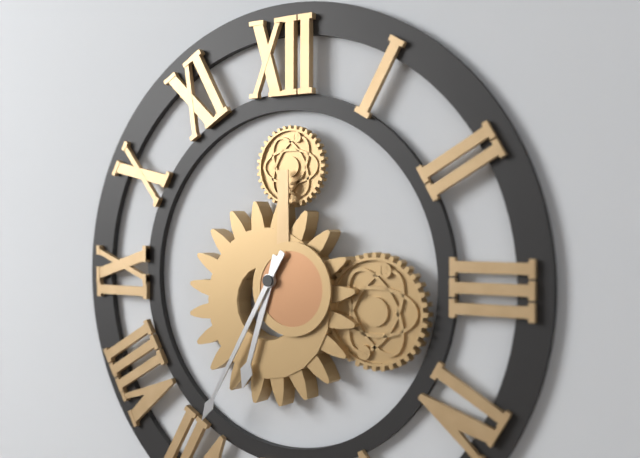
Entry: **6:35**
